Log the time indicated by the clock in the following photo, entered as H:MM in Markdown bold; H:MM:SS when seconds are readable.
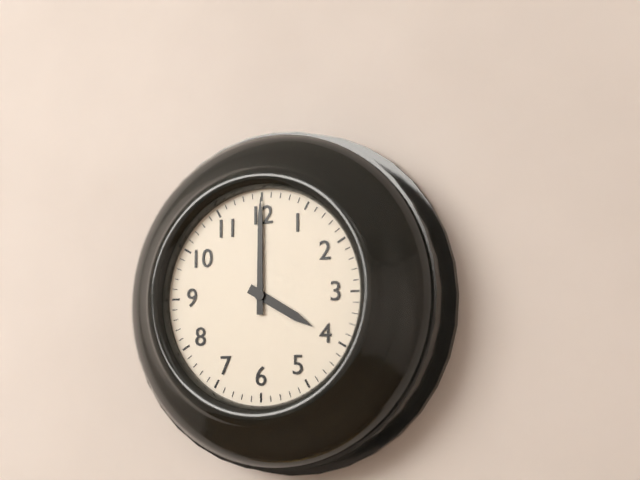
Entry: **4:00**
